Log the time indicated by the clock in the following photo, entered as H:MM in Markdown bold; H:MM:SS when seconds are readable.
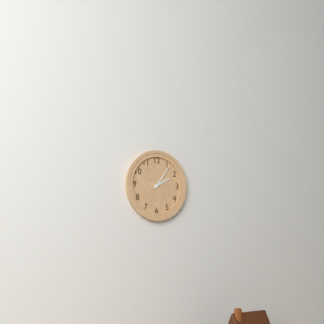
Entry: **2:06**
